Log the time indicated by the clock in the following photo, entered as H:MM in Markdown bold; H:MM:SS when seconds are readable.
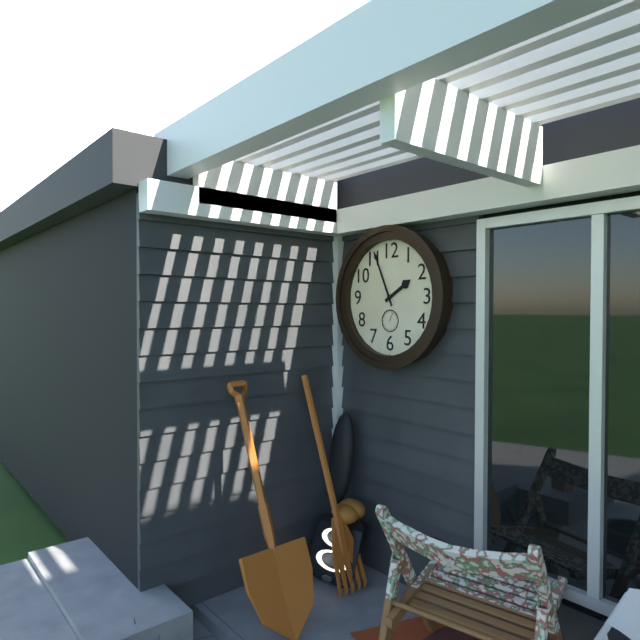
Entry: **1:56**
